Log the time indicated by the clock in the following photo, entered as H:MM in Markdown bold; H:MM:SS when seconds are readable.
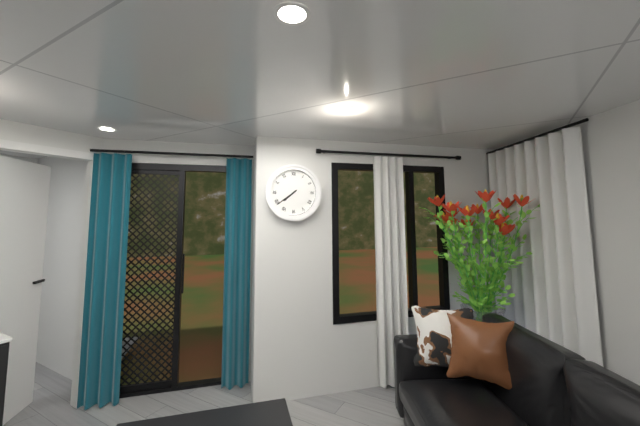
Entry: **7:39**
